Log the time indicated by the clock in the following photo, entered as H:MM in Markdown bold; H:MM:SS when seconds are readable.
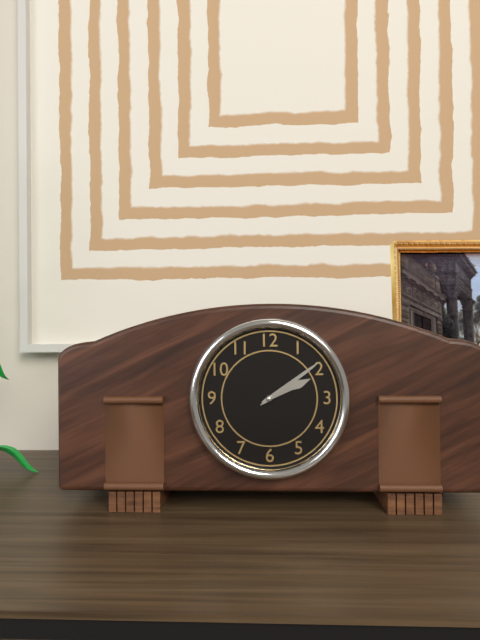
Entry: **2:09**
